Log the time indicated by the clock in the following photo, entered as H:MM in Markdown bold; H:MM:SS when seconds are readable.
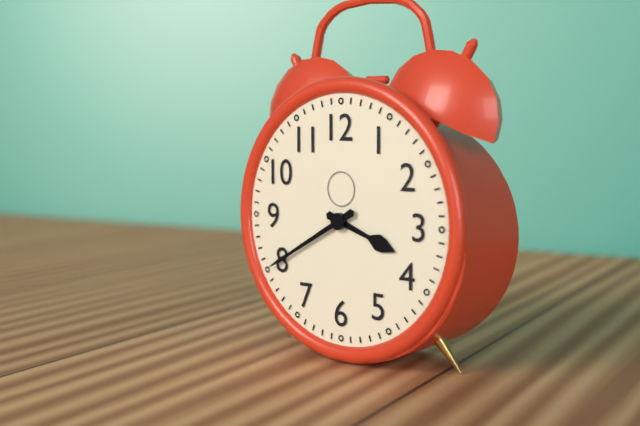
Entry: **3:40**
